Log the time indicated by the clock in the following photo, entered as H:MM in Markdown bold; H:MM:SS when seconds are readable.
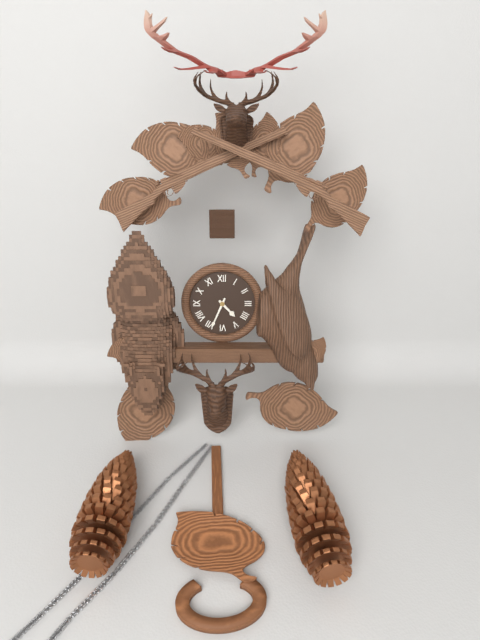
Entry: **4:34**
